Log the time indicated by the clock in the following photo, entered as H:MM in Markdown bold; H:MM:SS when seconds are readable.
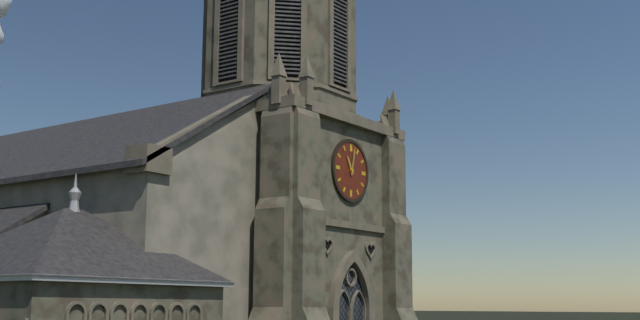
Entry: **11:02**
